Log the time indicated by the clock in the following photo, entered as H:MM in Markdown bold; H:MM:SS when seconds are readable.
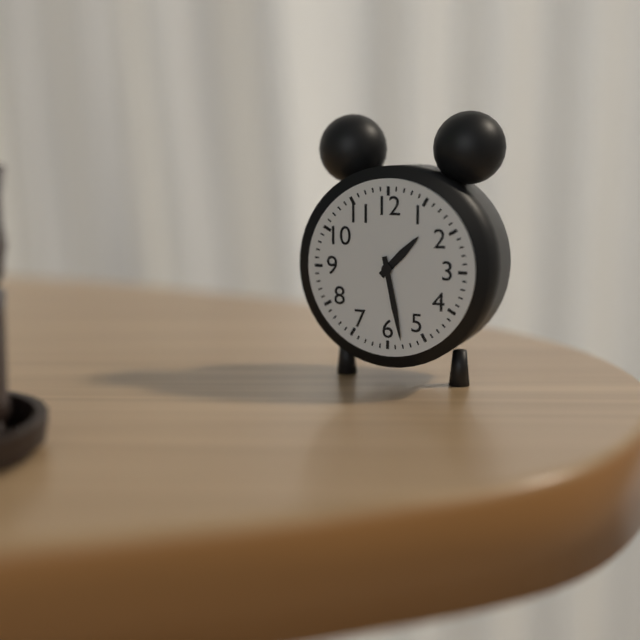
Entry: **1:28**
